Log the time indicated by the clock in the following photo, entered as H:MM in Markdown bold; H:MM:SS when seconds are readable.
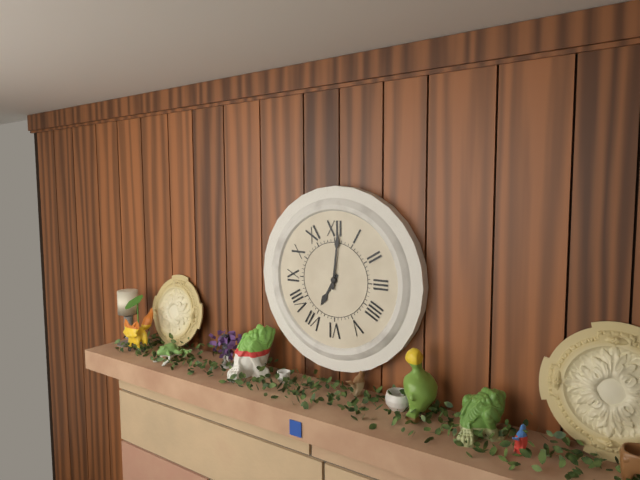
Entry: **7:01**
